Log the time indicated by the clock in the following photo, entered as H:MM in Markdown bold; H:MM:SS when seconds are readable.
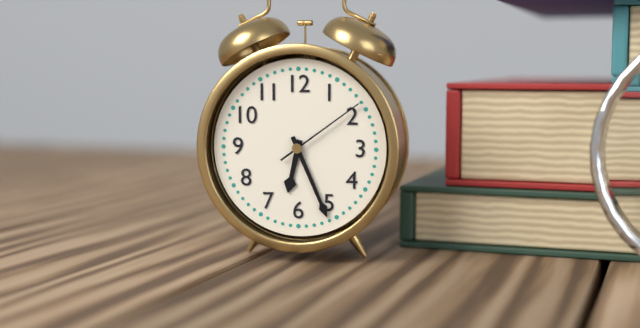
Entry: **6:26:09**
